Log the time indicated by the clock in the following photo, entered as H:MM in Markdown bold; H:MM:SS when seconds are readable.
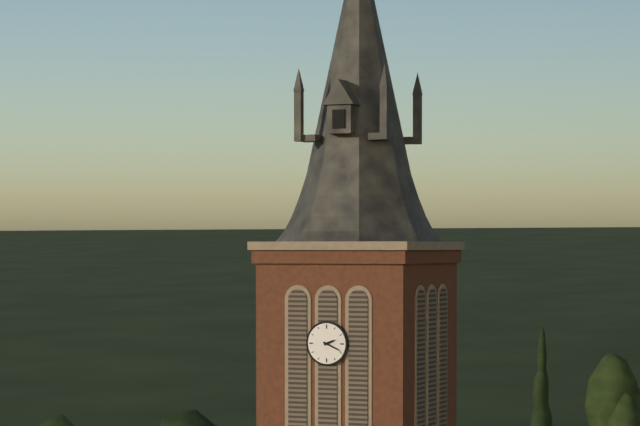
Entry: **2:19**
